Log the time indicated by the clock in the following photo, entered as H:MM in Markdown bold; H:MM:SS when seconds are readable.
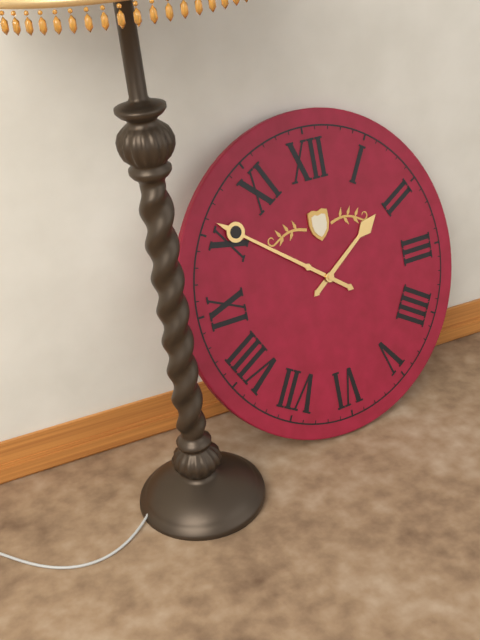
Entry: **1:51**
